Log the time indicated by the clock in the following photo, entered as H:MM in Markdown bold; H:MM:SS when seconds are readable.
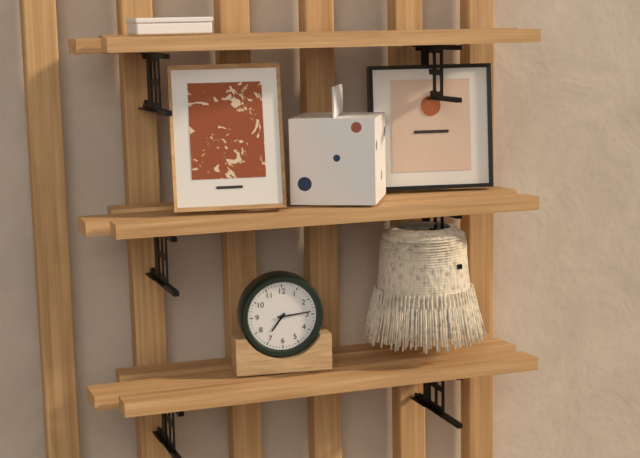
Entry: **7:14**
